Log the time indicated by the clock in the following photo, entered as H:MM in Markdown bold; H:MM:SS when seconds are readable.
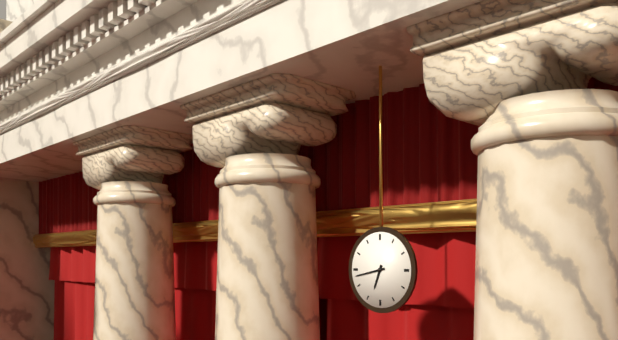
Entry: **6:43**
